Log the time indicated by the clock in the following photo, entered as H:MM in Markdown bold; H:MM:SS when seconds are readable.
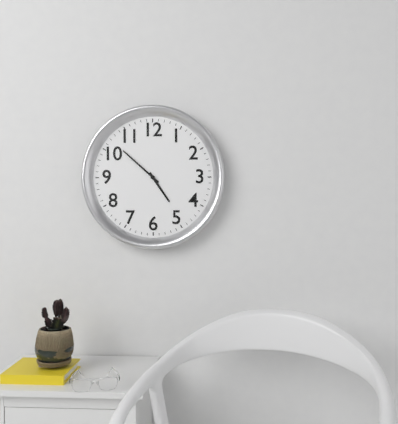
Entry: **4:52**
